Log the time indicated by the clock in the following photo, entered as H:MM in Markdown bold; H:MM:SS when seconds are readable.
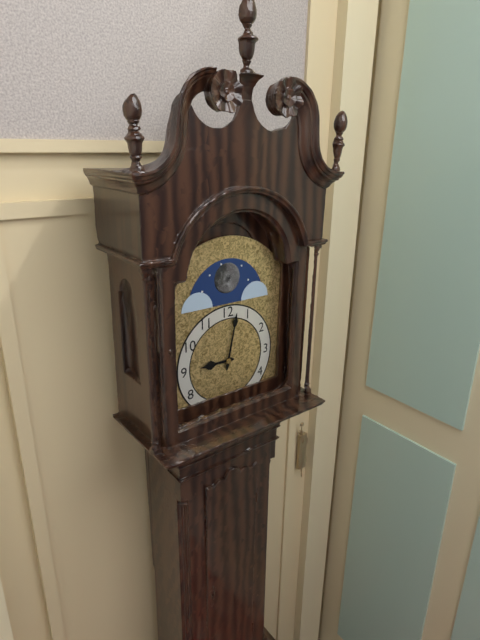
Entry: **9:02**
